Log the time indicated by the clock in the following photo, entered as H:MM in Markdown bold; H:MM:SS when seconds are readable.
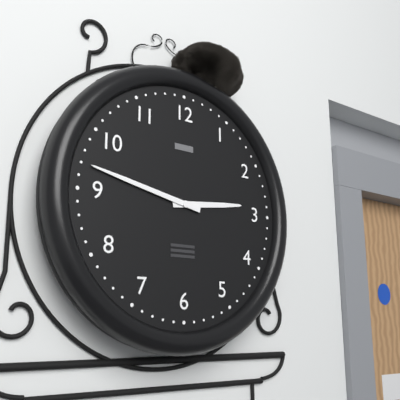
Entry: **2:47**
